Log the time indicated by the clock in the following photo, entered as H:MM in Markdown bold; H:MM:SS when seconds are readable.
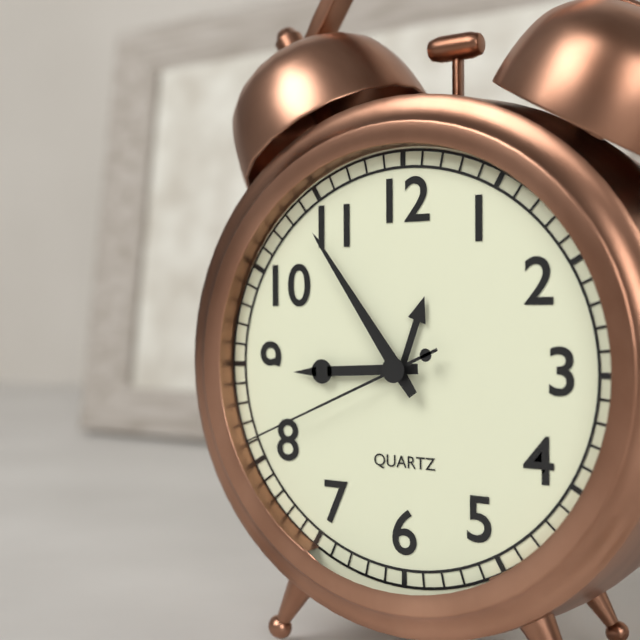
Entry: **8:54:41**
